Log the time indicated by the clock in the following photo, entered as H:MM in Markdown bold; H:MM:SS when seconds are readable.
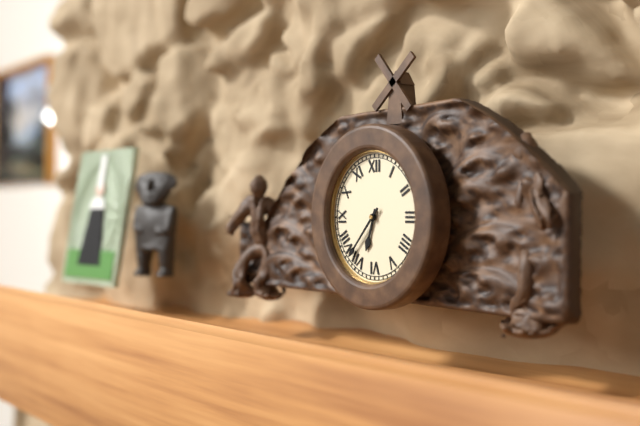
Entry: **6:37**
